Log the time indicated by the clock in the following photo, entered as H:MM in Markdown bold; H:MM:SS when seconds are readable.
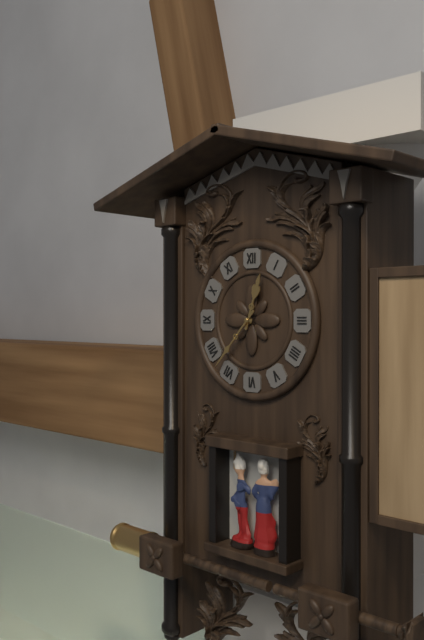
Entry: **12:37**
